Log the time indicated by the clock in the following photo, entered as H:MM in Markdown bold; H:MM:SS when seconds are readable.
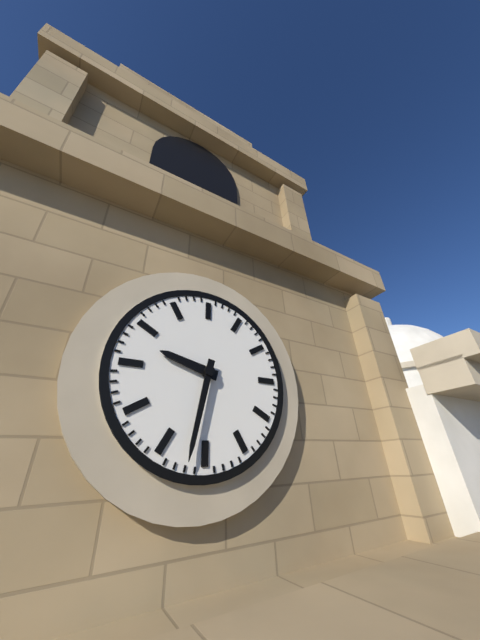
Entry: **9:32**
